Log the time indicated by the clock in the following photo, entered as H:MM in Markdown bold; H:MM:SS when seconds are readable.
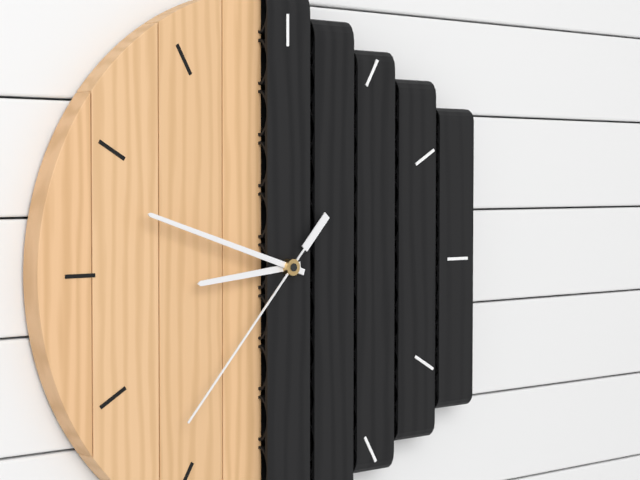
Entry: **8:48:37**
